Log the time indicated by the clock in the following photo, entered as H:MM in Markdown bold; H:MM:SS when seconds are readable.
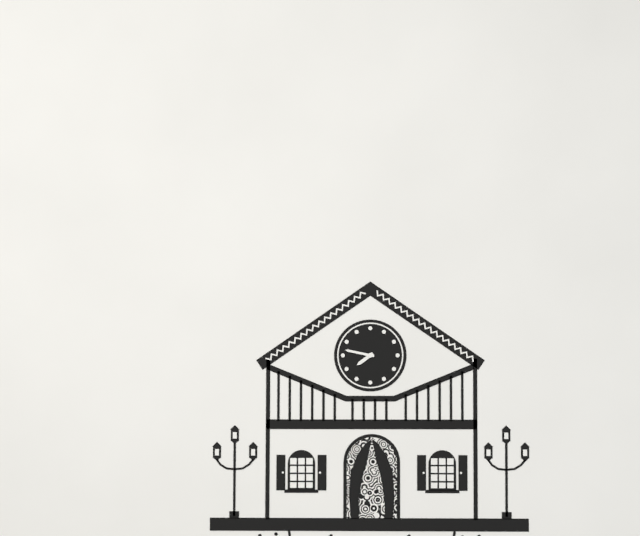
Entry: **7:47**
